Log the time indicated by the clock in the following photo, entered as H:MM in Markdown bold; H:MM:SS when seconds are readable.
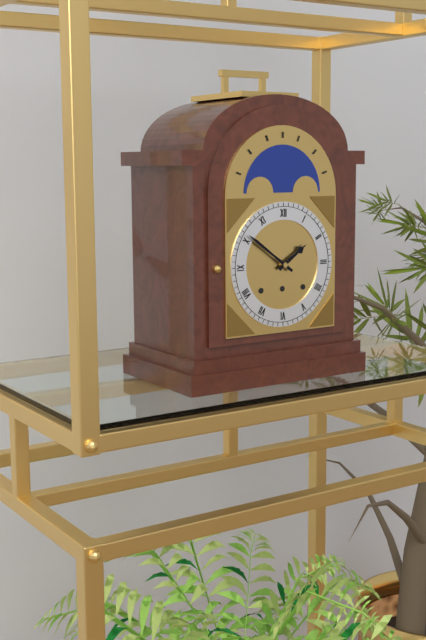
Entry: **1:51**
